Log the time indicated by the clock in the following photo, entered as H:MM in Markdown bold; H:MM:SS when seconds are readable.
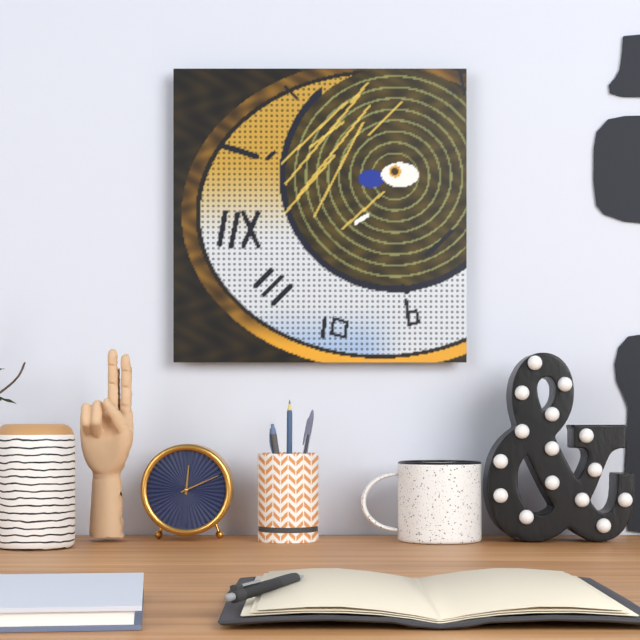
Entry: **12:11**
